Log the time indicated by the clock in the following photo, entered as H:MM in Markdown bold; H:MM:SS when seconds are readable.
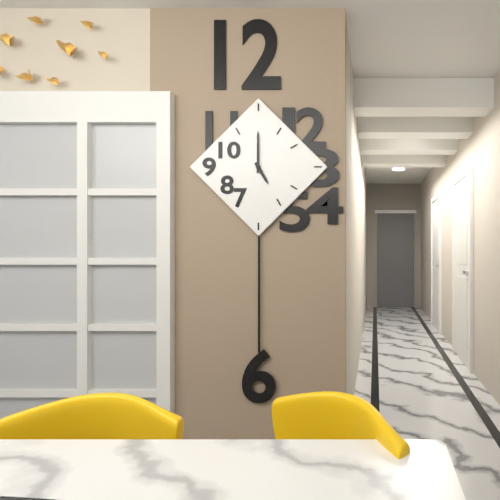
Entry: **5:00**
